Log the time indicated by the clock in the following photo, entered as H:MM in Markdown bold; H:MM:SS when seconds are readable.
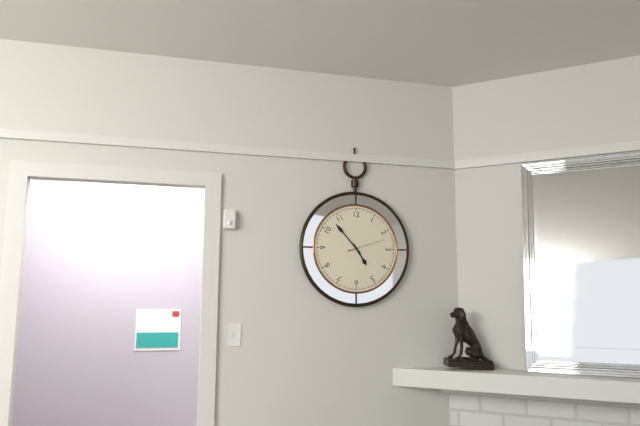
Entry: **4:53**
